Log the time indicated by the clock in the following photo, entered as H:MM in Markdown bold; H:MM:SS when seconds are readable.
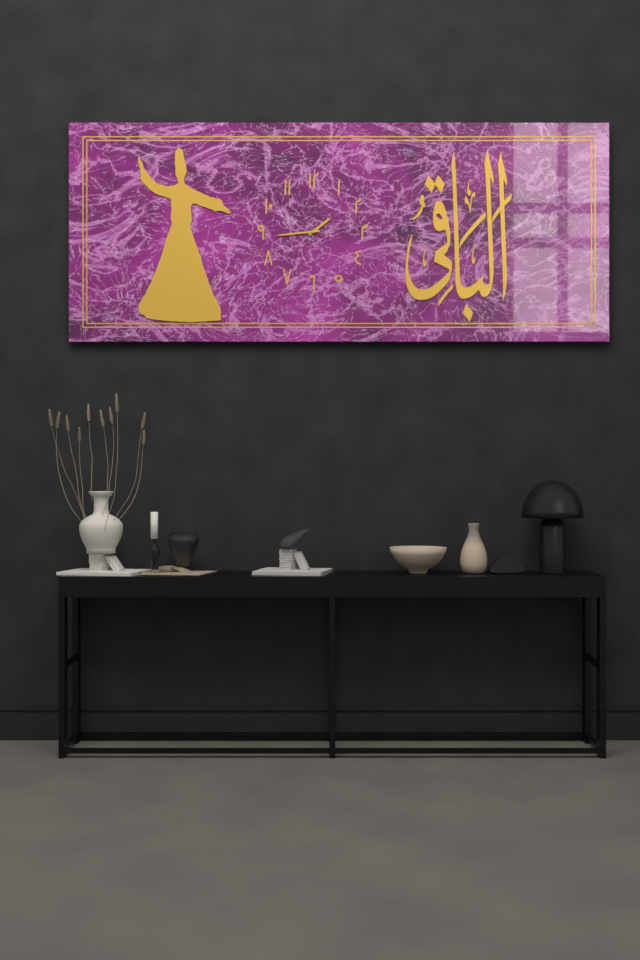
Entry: **1:44**
